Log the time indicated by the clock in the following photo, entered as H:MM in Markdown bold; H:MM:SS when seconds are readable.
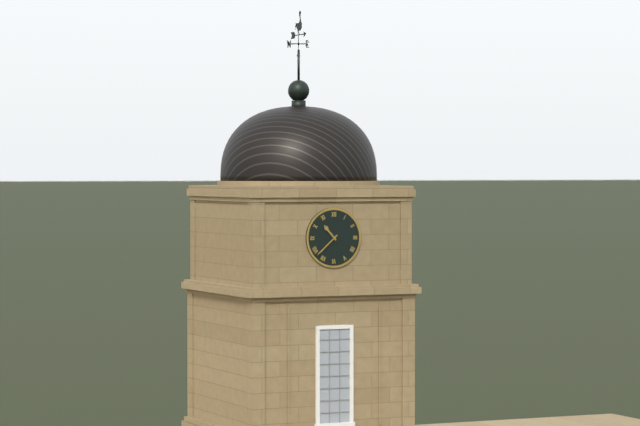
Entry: **10:38**
